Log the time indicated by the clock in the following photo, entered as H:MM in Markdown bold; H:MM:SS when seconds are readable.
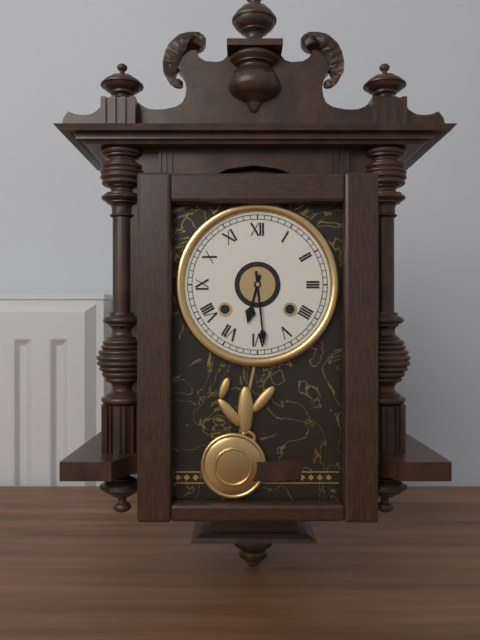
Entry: **6:29**
